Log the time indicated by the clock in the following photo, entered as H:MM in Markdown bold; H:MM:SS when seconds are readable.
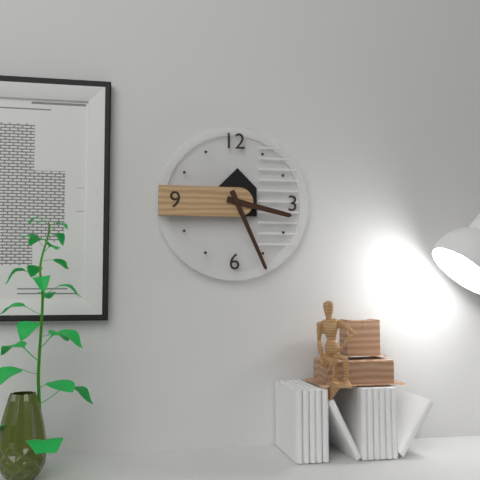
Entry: **3:26**
